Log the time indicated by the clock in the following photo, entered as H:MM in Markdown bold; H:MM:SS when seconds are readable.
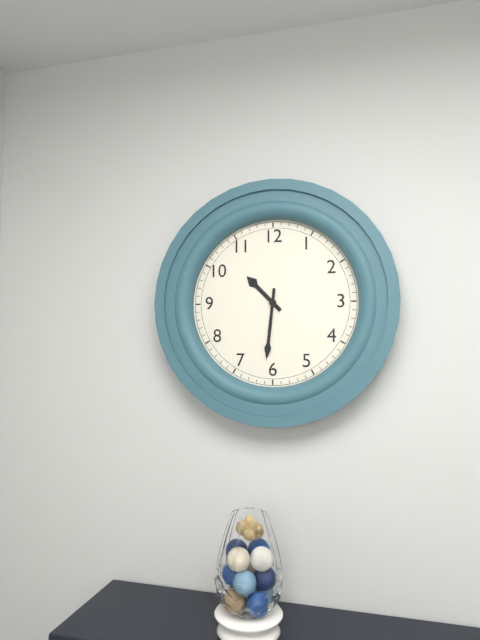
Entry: **10:31**
